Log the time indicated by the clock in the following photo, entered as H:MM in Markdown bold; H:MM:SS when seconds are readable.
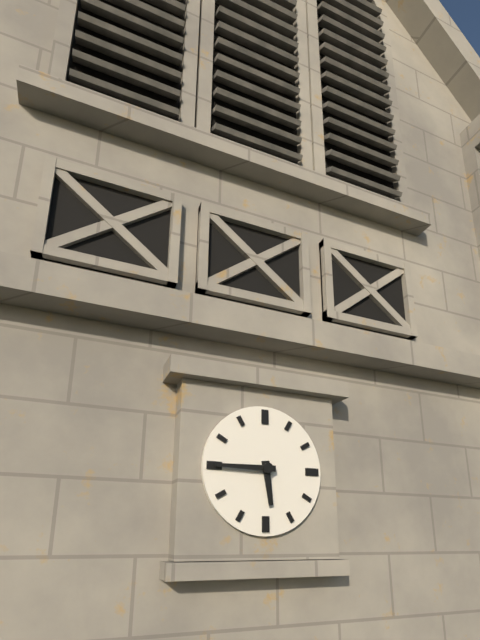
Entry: **5:45**
